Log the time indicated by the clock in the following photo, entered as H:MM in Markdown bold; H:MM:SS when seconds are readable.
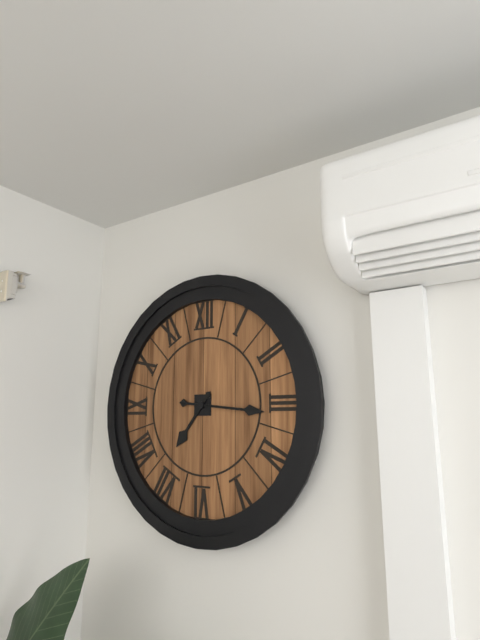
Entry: **7:16**
